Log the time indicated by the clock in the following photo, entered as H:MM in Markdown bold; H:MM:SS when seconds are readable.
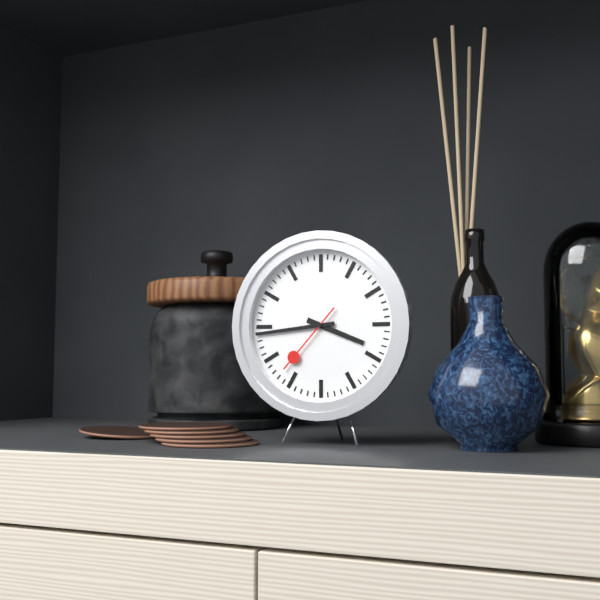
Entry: **3:44:37**
